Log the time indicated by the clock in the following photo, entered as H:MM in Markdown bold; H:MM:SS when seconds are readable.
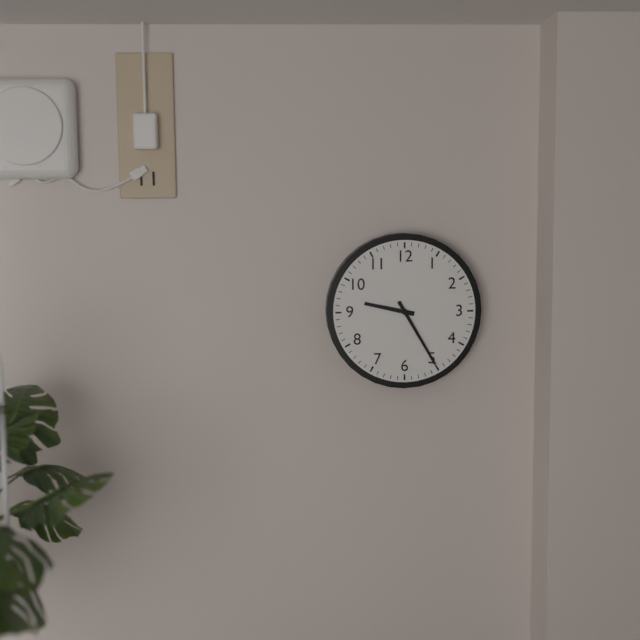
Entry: **9:25**
